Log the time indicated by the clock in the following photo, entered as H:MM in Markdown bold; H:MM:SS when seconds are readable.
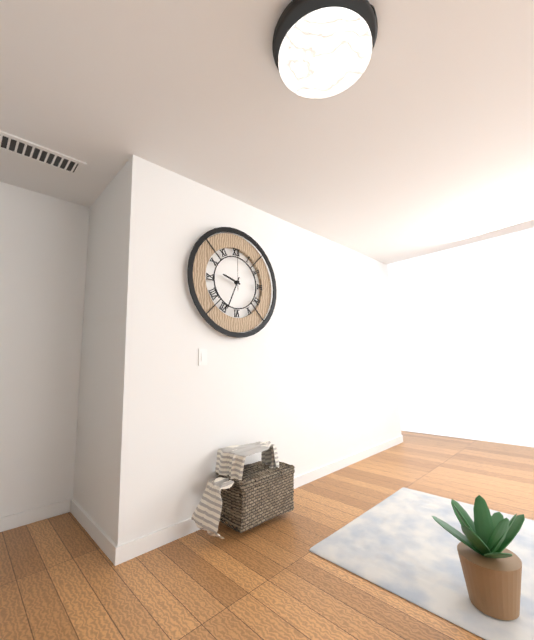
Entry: **9:34**
